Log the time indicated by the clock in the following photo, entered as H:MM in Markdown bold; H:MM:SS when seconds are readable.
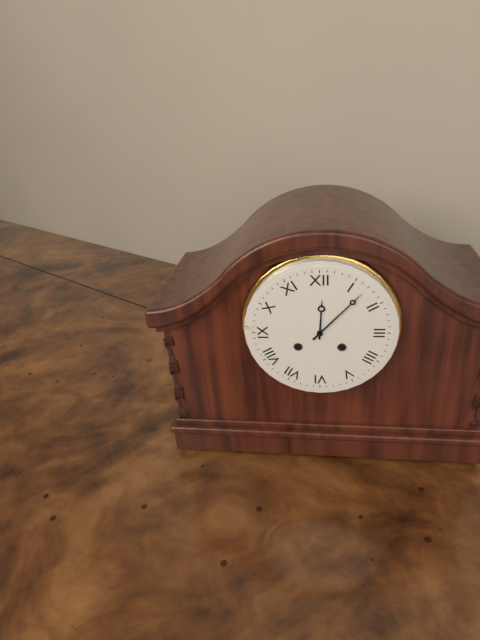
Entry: **12:07**
